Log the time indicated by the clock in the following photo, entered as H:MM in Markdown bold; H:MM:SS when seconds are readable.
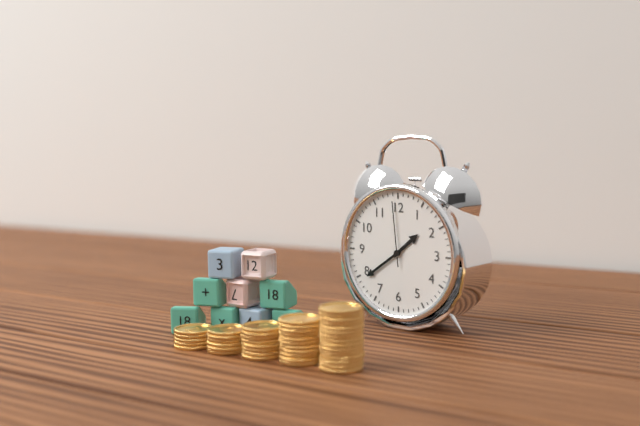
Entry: **1:39:59**
